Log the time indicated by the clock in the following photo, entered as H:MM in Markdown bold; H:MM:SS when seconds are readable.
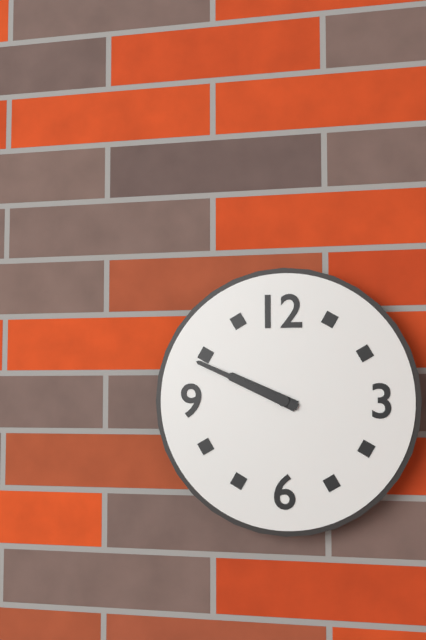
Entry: **9:49**
